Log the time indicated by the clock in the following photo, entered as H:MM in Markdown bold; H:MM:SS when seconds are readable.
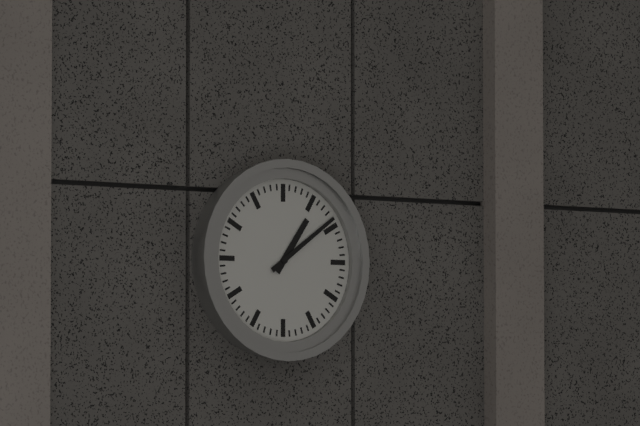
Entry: **1:09**
